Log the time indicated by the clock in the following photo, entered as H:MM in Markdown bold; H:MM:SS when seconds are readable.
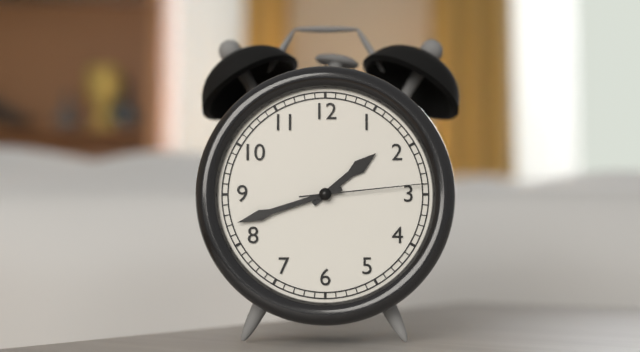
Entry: **1:42:14**
